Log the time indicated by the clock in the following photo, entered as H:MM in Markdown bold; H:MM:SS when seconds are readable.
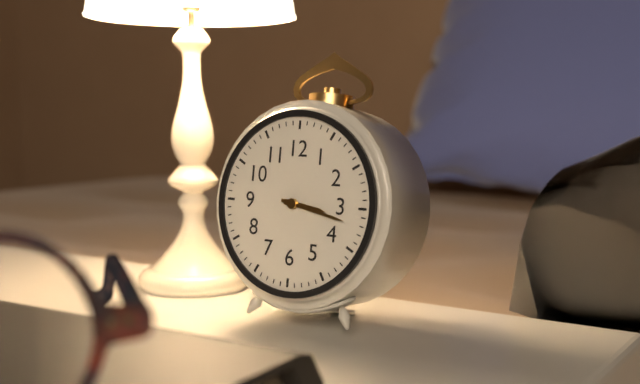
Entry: **3:17**
